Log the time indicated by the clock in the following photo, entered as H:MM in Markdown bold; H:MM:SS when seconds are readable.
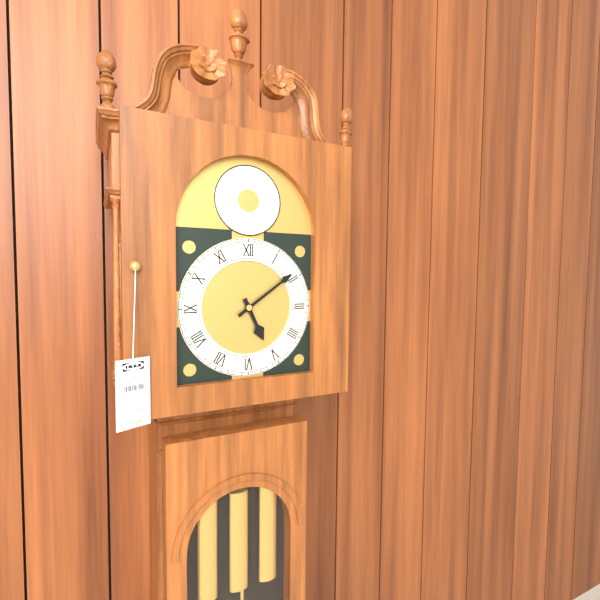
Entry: **5:09**
